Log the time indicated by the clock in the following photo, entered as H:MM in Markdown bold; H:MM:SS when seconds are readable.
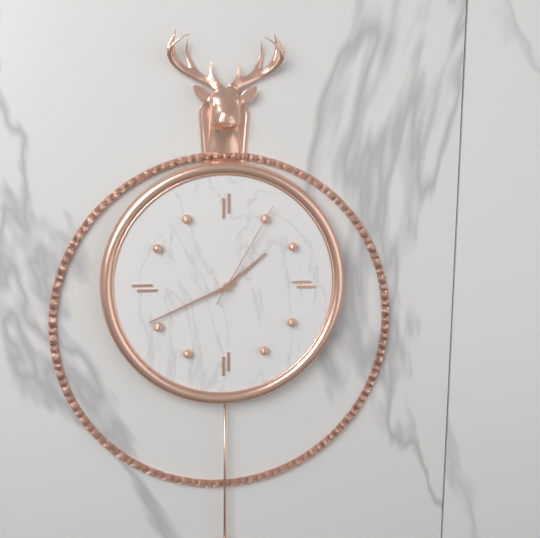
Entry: **1:41:05**
